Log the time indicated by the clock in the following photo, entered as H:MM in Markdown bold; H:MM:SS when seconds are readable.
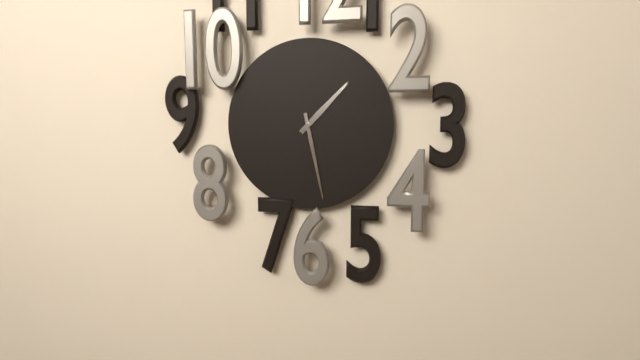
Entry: **1:28**
